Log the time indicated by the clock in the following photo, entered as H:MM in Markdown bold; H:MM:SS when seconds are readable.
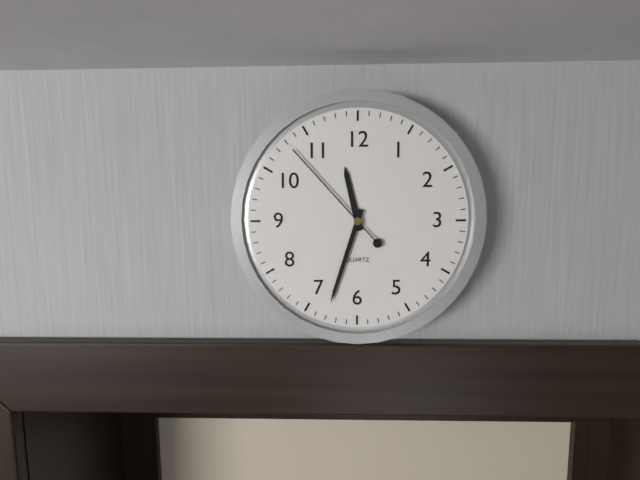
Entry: **11:33:53**
